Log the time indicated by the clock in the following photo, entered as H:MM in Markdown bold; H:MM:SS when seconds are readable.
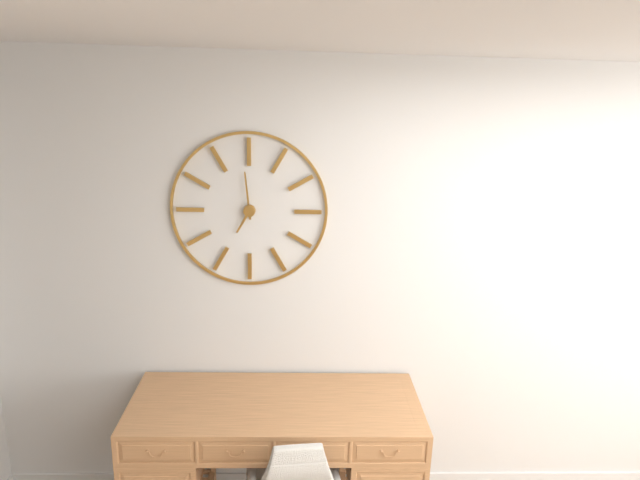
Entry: **6:59**
